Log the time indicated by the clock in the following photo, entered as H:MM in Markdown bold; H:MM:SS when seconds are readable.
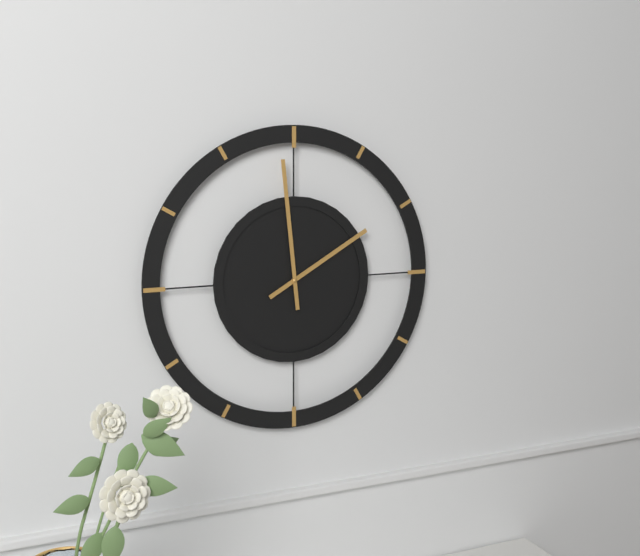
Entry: **1:59**
